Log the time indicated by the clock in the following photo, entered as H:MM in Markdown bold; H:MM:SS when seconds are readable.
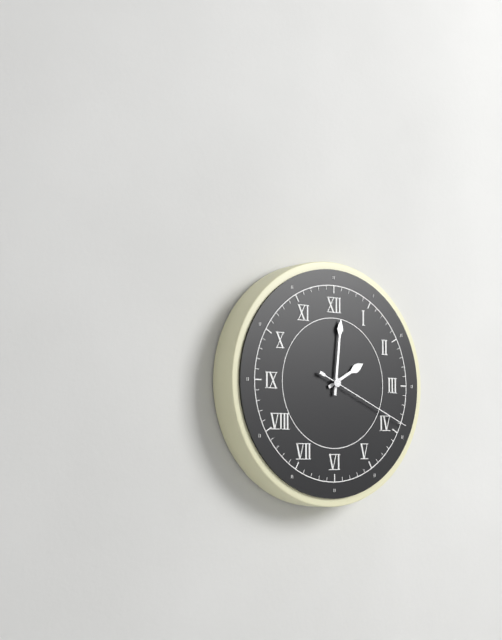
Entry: **2:01:19**
